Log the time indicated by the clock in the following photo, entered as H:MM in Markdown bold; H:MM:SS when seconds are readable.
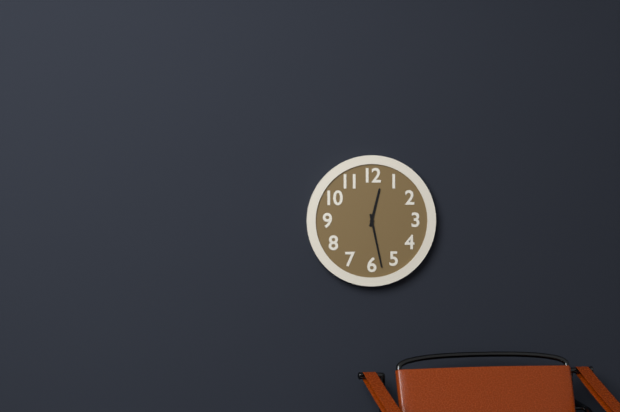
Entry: **12:28**
